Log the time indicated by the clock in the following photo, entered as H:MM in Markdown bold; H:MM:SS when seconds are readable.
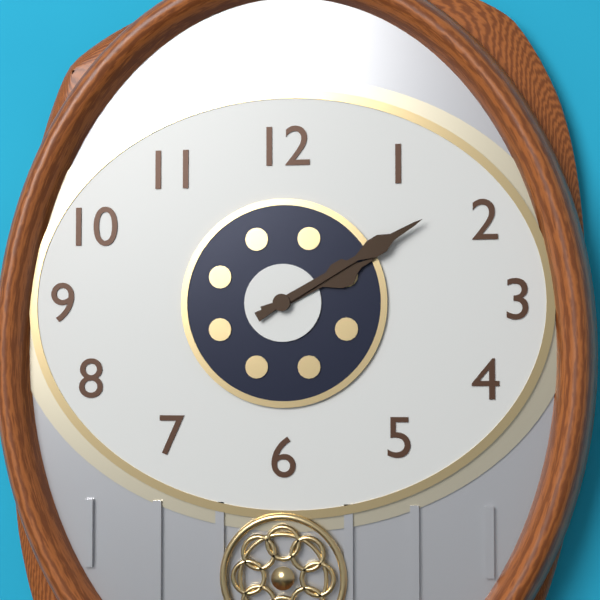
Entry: **2:10**
